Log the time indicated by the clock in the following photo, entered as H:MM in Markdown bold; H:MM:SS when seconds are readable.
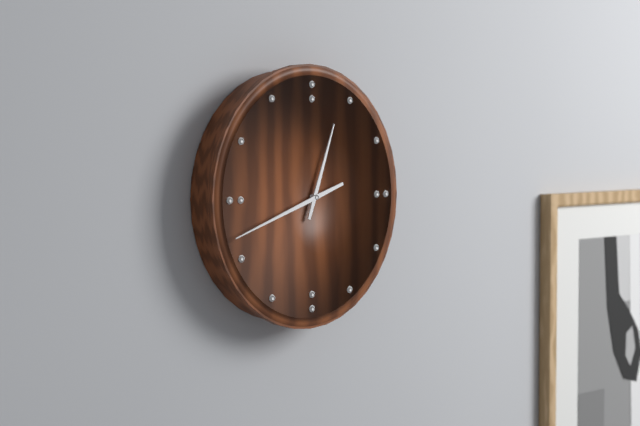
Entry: **12:42**
